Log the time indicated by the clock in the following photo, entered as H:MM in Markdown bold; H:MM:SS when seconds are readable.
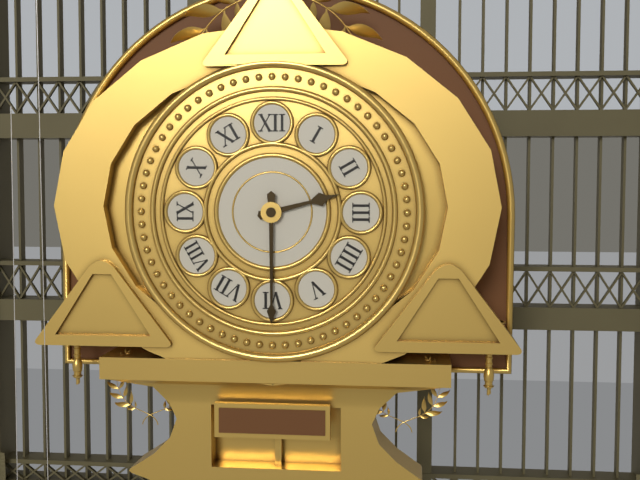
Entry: **2:30**
